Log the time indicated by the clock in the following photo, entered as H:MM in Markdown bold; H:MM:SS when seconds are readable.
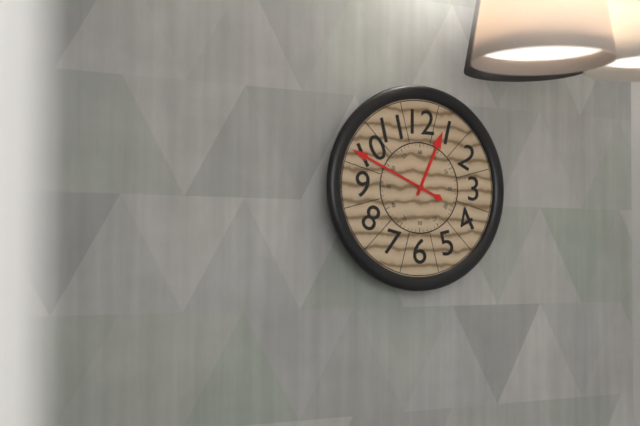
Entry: **12:49**
